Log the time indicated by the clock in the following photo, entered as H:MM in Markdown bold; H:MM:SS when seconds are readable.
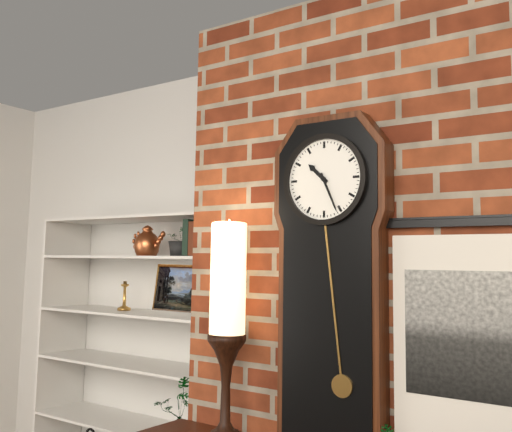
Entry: **10:26**
